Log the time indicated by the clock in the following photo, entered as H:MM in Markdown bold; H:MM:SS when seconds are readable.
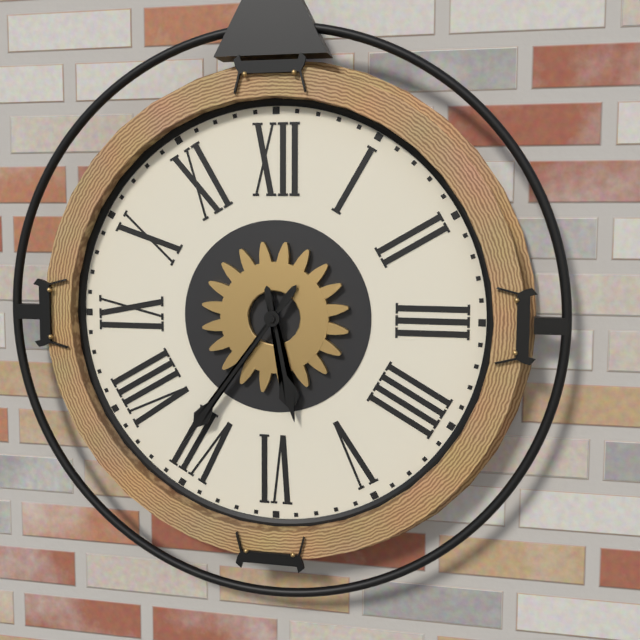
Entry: **5:36**
